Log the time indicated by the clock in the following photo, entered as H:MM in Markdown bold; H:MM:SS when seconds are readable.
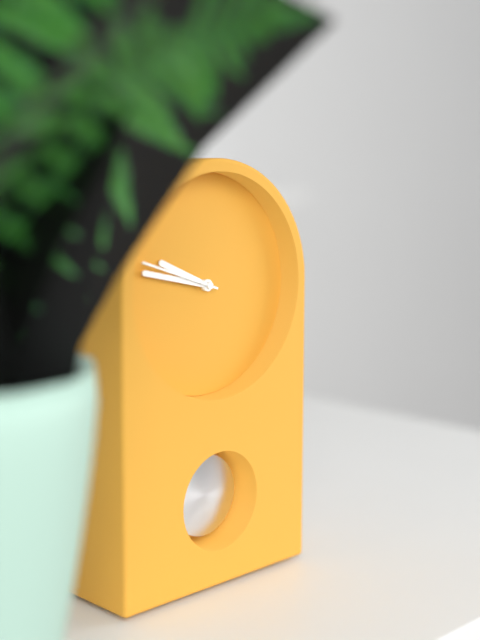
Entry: **9:47:48**
